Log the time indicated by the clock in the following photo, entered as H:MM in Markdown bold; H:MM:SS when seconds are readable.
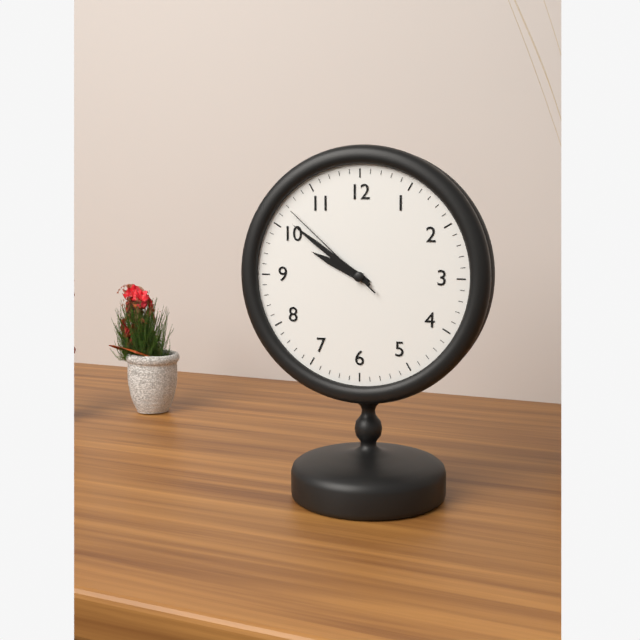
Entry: **9:51:52**
